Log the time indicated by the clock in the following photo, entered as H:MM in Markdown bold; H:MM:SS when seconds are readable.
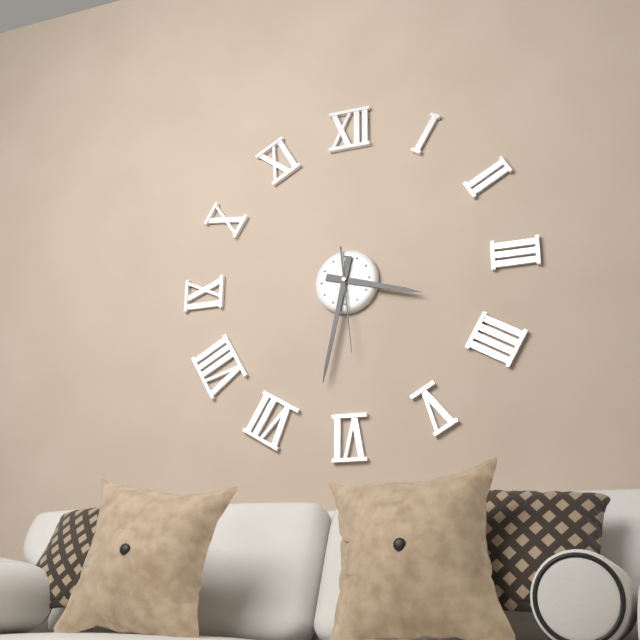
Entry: **3:32:29**
